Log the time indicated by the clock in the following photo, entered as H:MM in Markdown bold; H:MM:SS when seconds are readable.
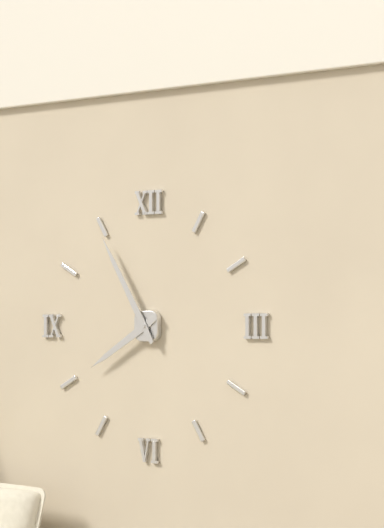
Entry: **7:55**
